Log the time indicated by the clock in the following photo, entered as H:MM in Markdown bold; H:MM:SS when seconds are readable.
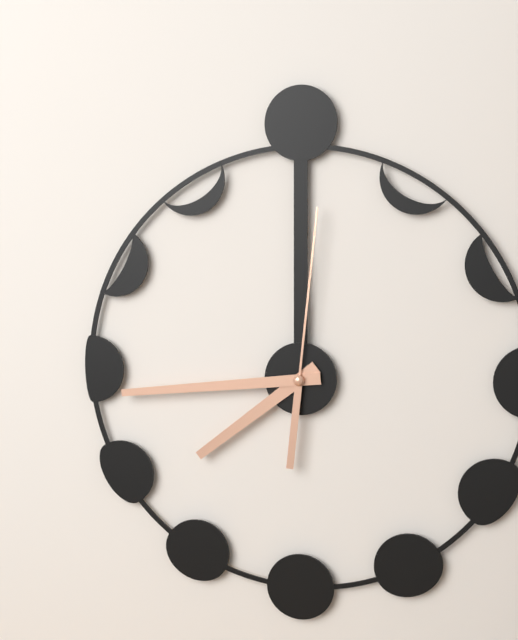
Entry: **7:44:01**
